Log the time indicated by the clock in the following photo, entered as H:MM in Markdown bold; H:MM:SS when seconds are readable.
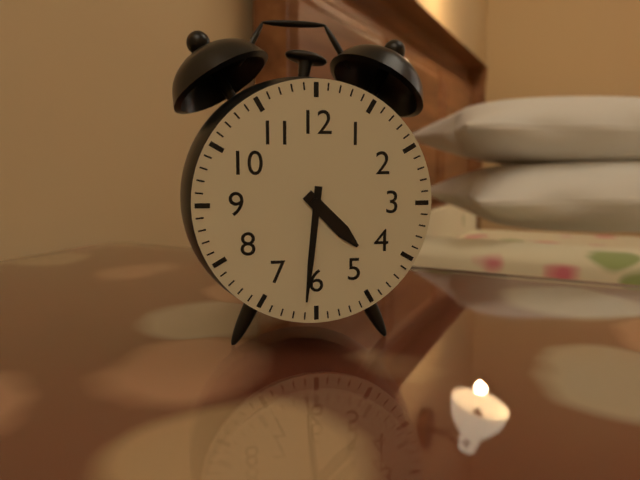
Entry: **4:31**
